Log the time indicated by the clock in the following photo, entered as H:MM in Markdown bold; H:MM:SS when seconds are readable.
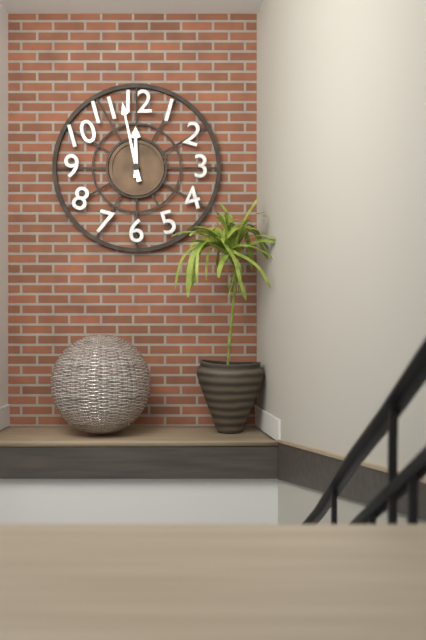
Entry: **11:58**
